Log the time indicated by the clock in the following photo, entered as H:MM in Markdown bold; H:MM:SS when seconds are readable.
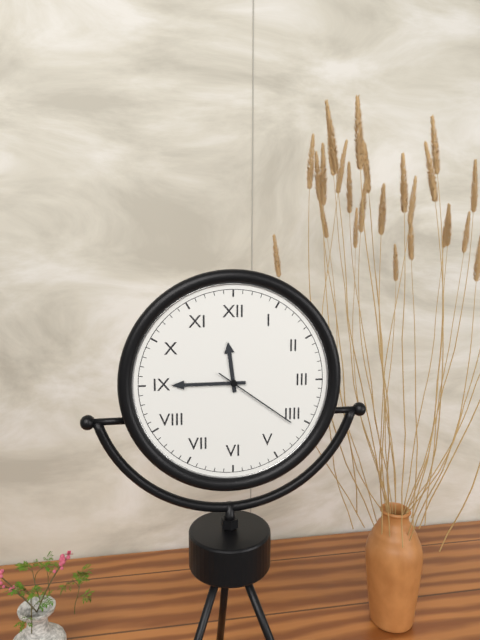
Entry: **11:45:21**
